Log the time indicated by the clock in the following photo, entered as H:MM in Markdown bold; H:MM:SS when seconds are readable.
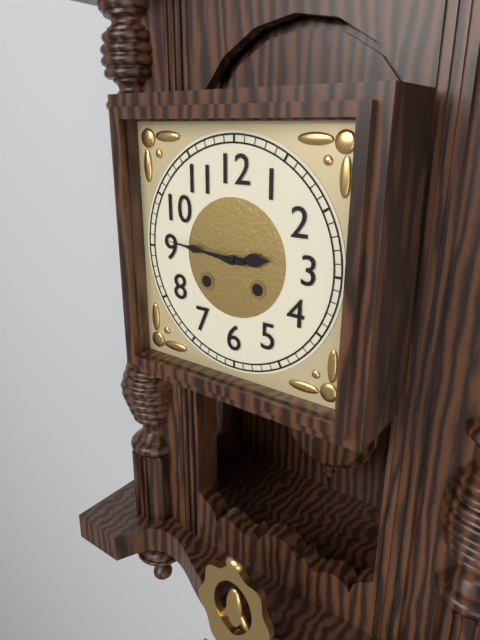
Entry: **2:46**
